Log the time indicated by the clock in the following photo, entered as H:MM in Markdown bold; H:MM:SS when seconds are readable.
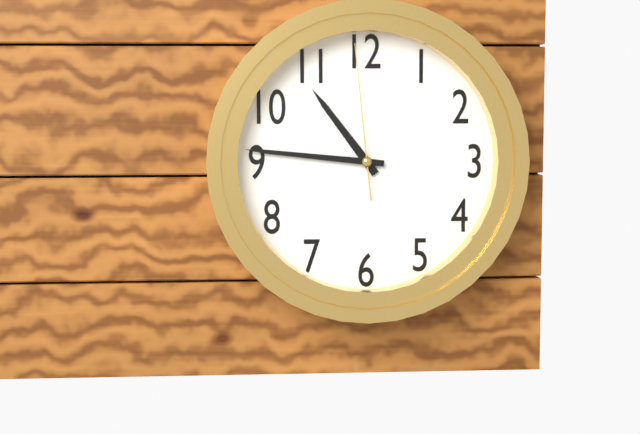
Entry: **10:46:59**
